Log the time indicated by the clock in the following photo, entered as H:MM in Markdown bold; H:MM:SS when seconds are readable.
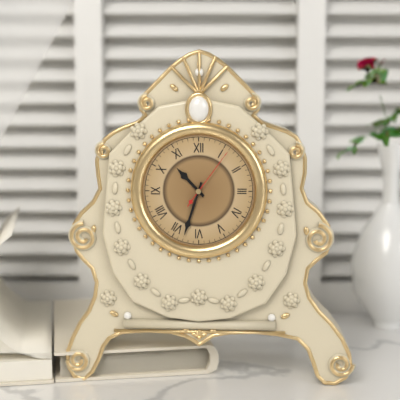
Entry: **10:33:06**
